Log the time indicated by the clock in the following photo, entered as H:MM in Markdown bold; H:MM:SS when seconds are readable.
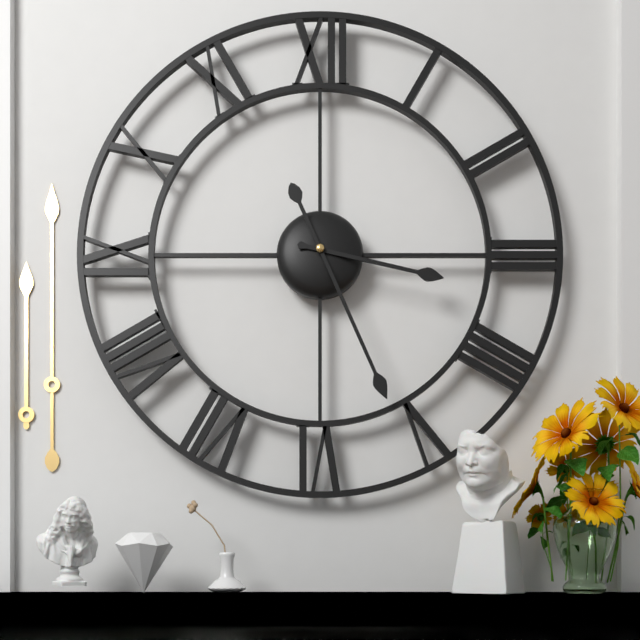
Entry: **3:26**
